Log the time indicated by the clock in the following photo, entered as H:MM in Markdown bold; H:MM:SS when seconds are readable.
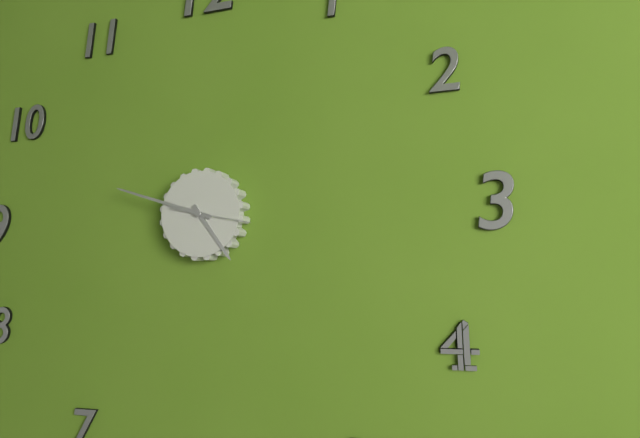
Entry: **4:48:17**
